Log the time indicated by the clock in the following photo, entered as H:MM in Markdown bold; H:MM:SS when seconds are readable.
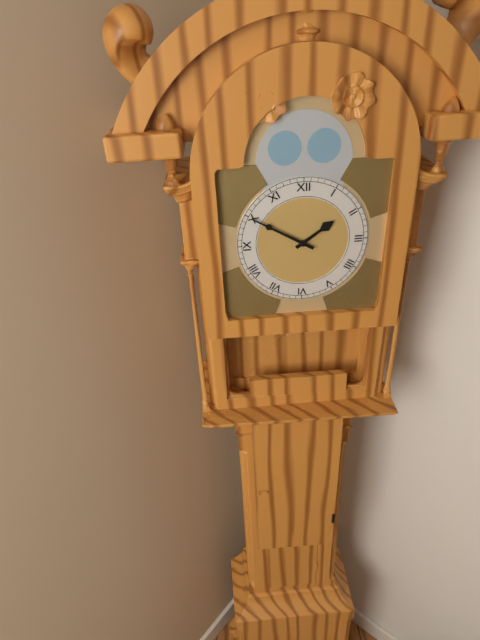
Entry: **1:50**
